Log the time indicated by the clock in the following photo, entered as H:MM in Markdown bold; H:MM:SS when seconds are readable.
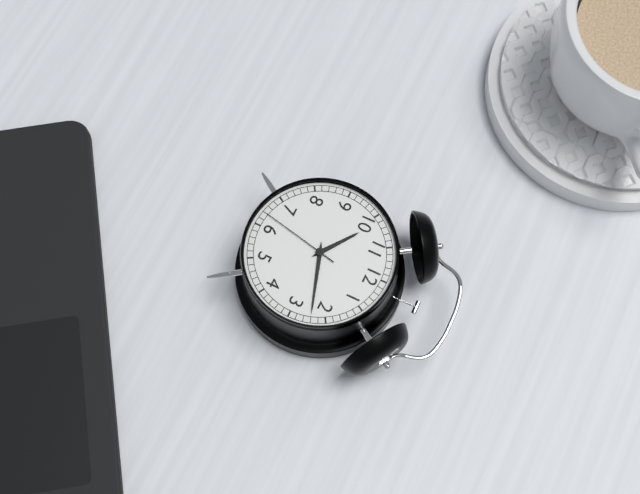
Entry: **10:12:32**
